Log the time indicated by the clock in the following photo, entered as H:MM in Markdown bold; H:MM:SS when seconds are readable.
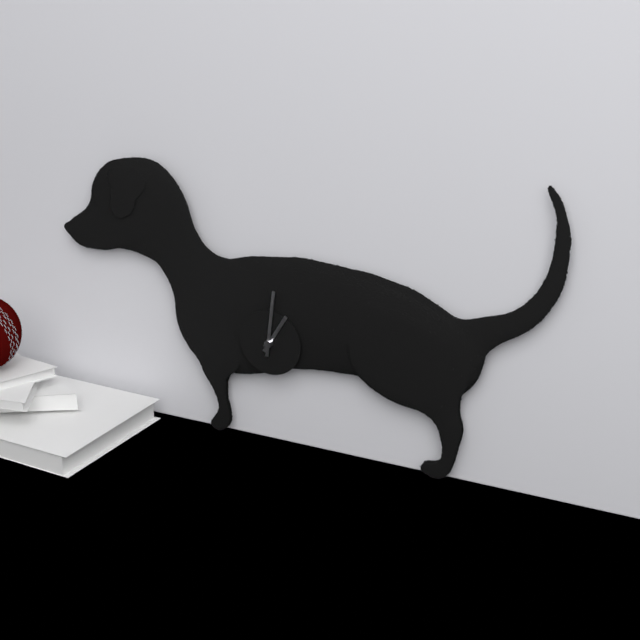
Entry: **1:01**
